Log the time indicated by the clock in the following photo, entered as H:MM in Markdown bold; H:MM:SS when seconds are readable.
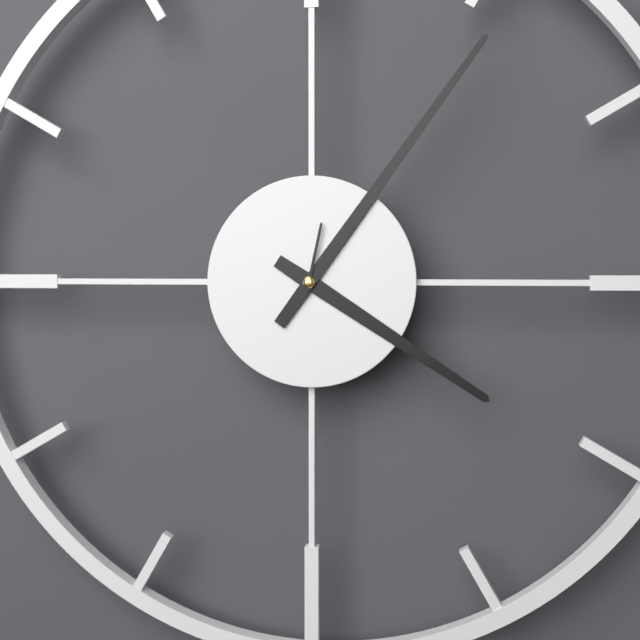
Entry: **4:06:02**
